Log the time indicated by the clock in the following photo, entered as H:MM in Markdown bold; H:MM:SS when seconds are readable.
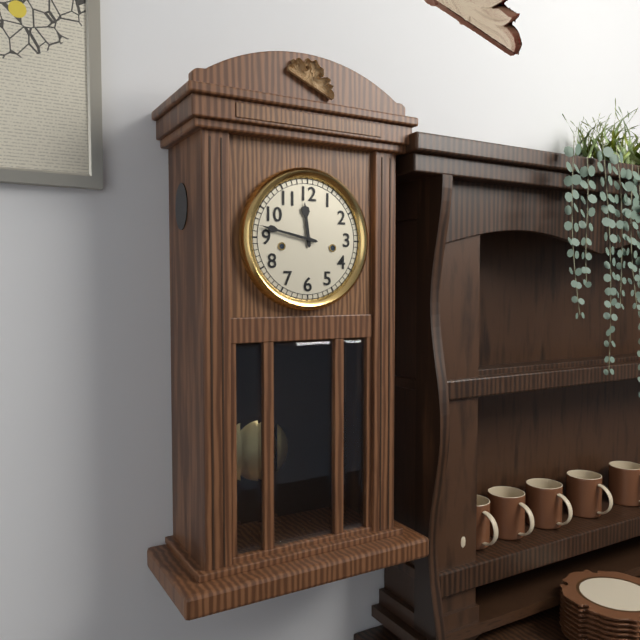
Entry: **11:47**
